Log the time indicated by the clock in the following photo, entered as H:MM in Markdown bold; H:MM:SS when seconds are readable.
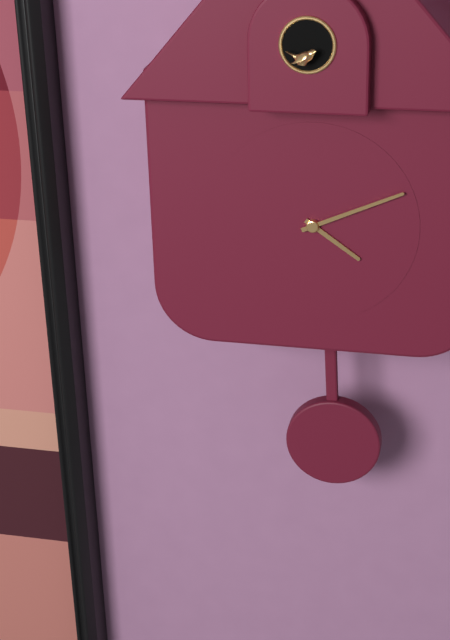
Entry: **4:11**
